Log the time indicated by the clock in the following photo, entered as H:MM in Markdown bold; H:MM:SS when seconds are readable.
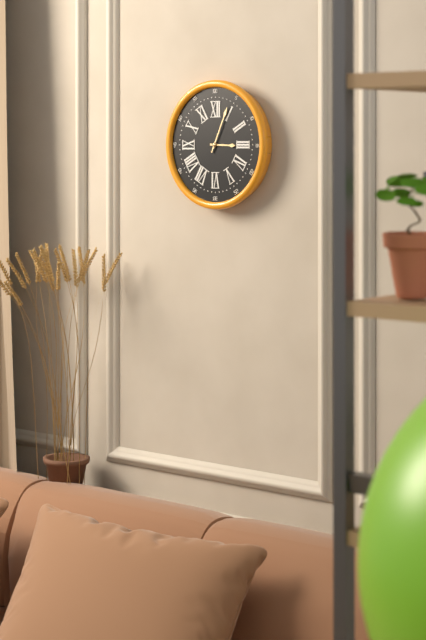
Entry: **3:04**
